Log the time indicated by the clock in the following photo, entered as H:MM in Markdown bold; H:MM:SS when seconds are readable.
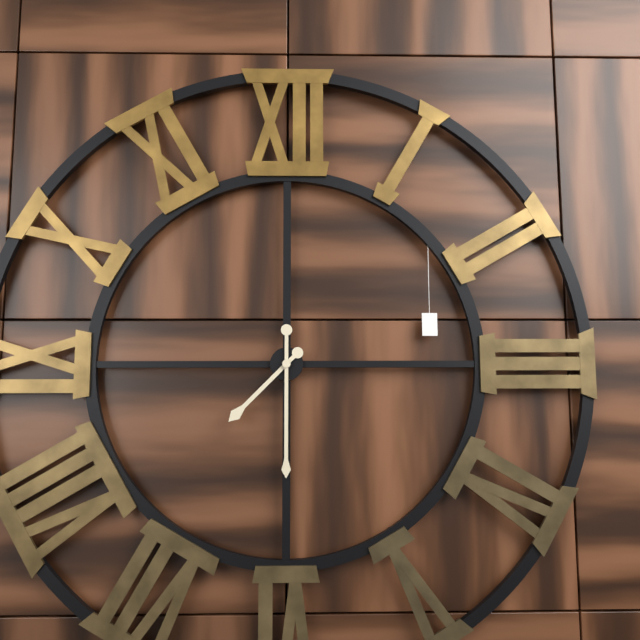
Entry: **7:30**
